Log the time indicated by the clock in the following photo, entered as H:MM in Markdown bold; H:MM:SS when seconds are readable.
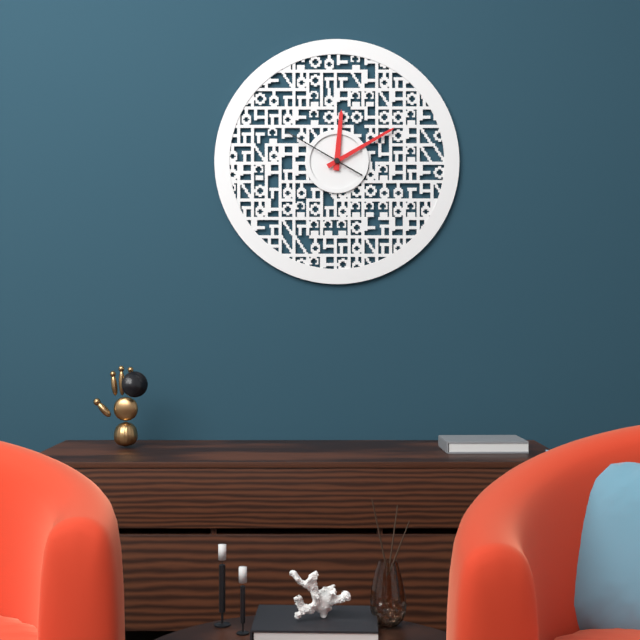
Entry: **12:10:50**
